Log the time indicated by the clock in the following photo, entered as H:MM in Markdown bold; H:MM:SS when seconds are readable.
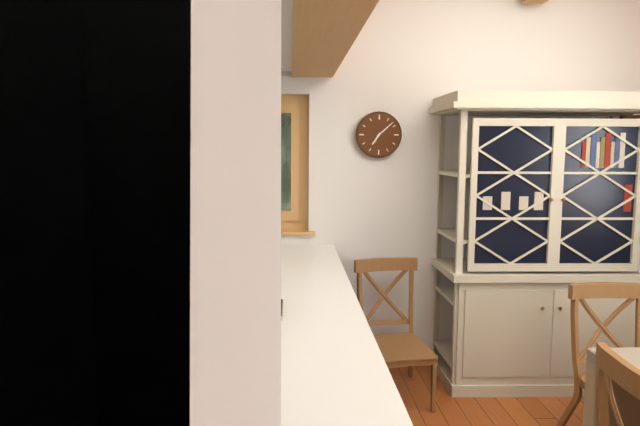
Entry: **7:08**
